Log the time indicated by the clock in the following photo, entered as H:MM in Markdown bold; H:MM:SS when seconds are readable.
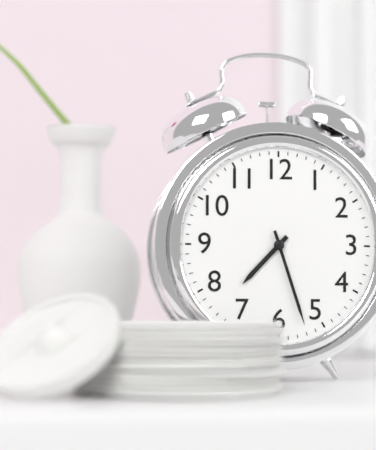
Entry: **7:27**
